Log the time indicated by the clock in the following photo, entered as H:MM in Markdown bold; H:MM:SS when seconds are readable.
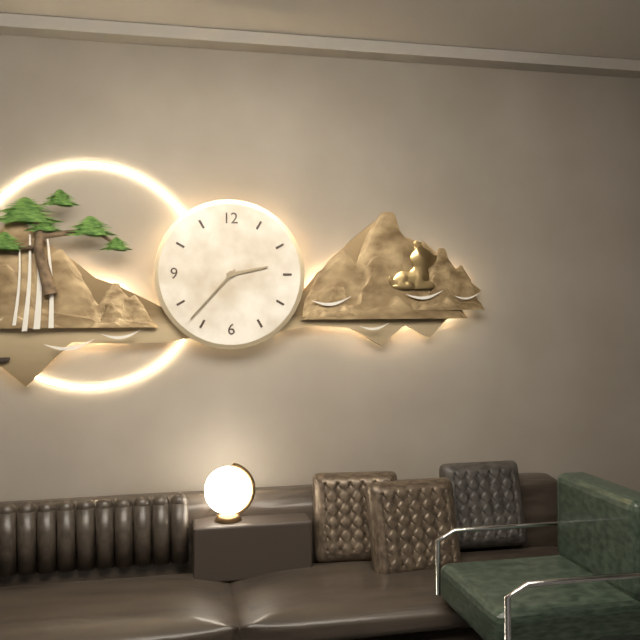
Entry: **2:37**
